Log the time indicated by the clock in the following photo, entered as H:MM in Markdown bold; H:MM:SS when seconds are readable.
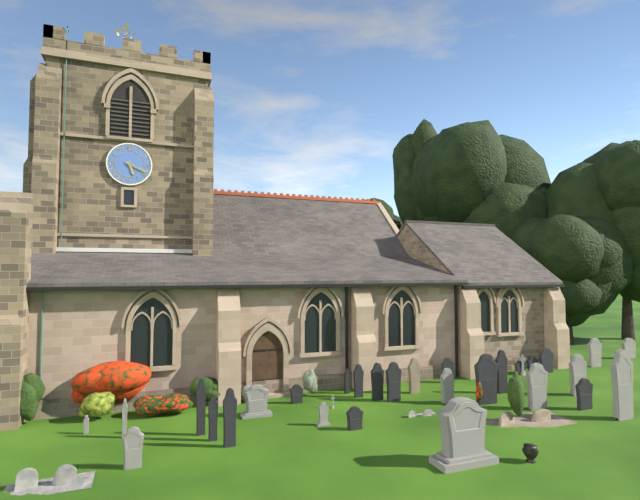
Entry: **5:19**
